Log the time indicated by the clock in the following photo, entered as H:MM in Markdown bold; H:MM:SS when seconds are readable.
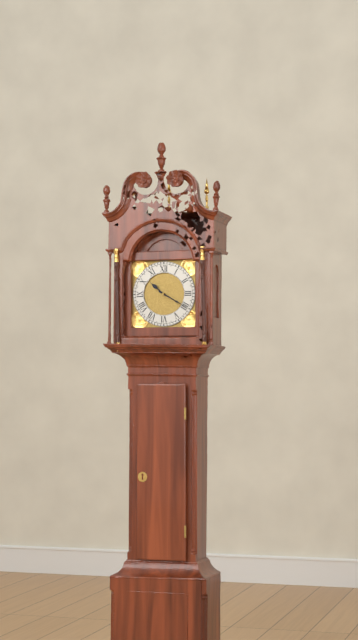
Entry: **10:20**
